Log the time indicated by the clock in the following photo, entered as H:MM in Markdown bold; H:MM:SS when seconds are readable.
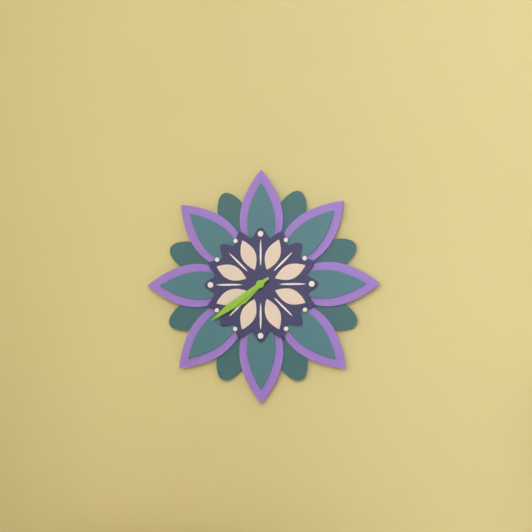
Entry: **7:39**
